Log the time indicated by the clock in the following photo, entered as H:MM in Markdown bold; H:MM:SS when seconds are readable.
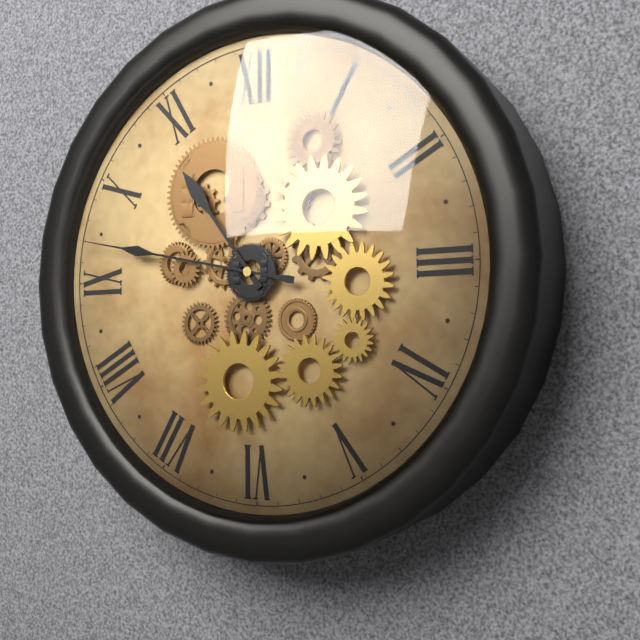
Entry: **10:47**
